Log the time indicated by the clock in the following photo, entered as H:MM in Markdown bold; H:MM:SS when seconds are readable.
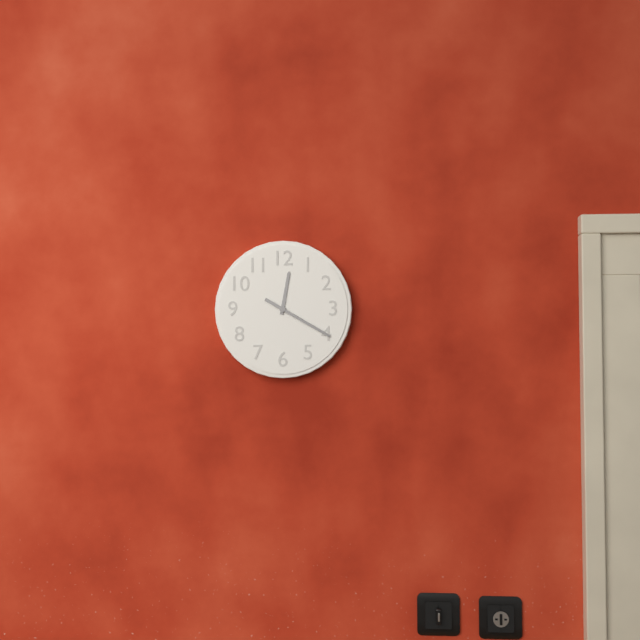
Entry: **12:20**
